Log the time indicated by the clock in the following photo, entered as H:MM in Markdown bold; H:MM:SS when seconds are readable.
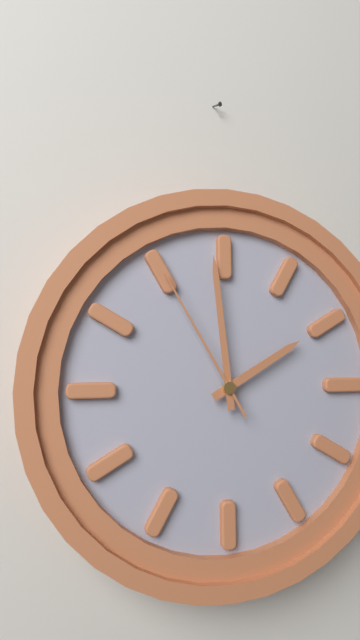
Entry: **1:59:55**
